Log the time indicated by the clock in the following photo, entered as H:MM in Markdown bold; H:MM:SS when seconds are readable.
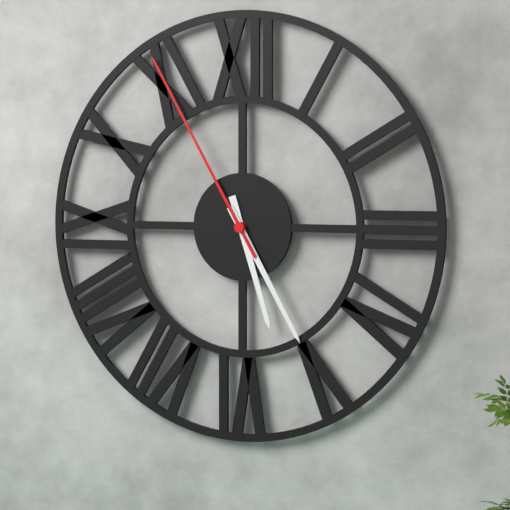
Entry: **5:25:55**
